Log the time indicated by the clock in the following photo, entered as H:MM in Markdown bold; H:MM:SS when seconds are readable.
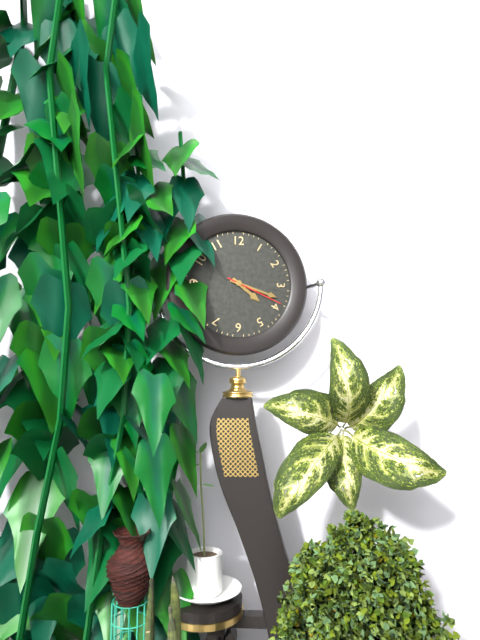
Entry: **4:18:19**
